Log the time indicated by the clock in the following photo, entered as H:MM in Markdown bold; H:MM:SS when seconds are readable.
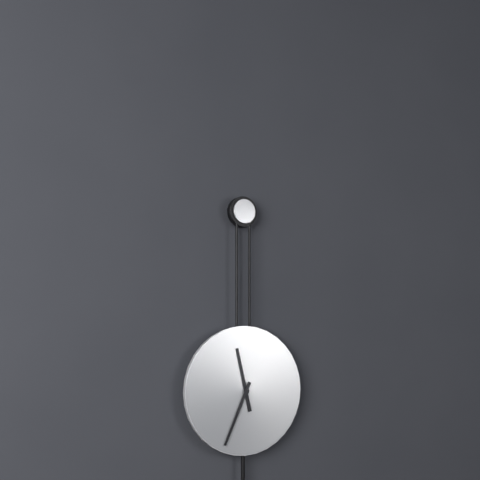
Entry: **11:34**
